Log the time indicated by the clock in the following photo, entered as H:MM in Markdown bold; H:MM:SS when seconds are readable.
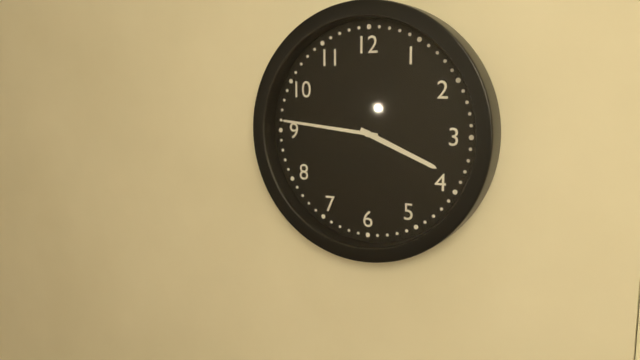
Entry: **3:46**
